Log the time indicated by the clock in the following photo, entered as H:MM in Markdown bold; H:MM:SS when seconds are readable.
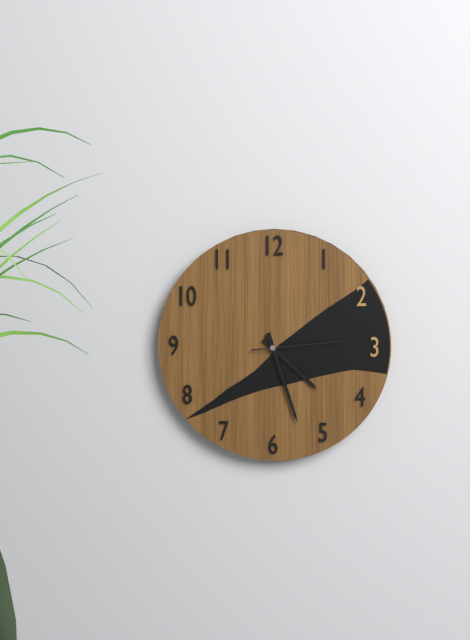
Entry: **4:27:14**
